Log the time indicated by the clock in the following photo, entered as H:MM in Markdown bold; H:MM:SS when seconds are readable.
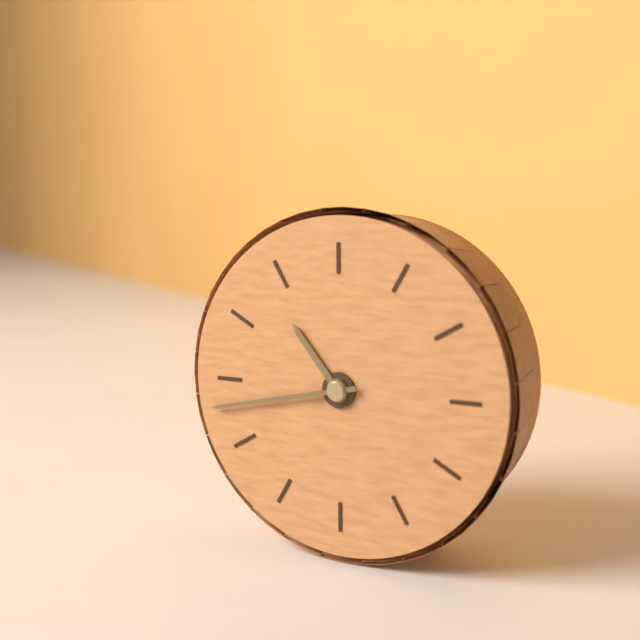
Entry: **10:43**
